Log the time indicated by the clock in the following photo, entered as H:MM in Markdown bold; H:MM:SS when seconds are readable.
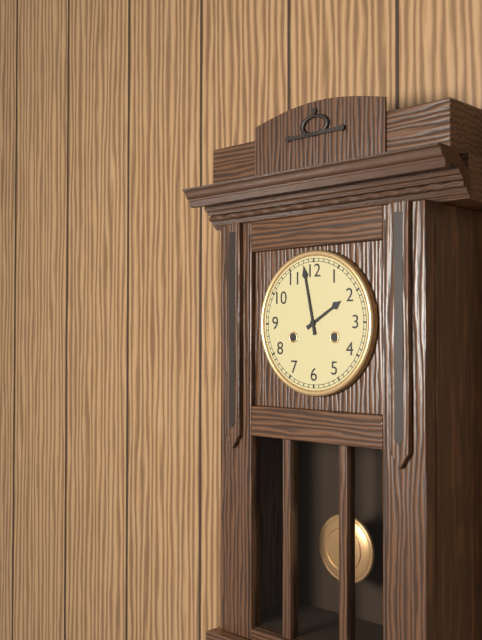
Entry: **1:58**
